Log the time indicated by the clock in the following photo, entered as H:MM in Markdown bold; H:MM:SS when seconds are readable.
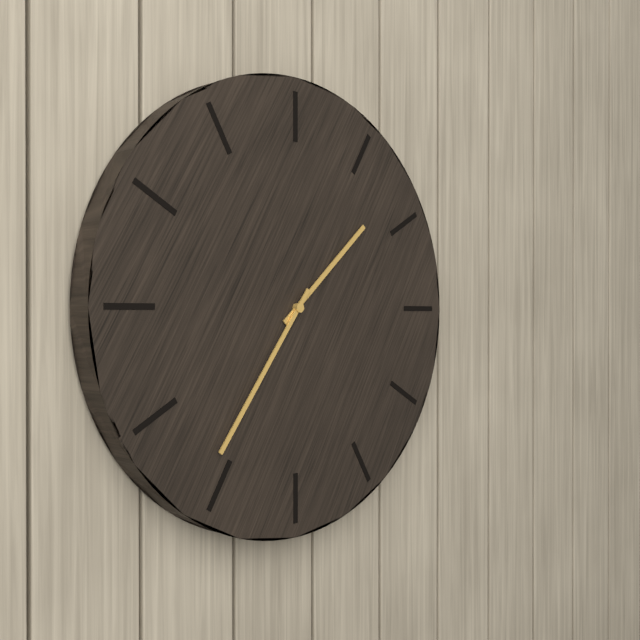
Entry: **1:36**
